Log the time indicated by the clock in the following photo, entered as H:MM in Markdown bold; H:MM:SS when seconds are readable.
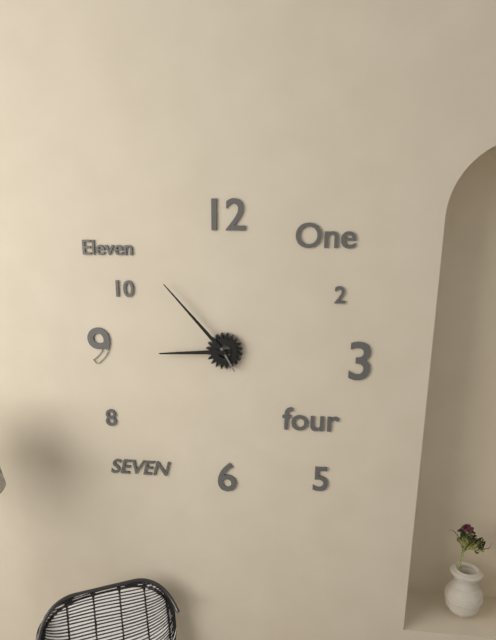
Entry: **8:53**
